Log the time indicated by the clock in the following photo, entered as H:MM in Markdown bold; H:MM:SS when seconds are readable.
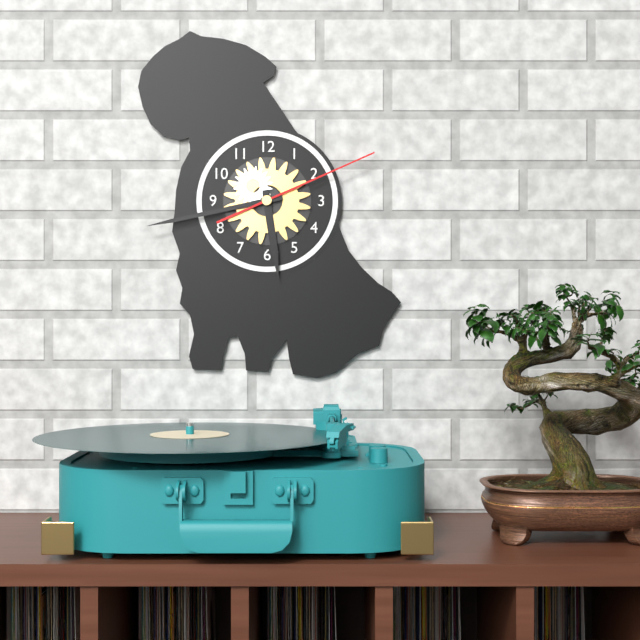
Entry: **5:43:11**
